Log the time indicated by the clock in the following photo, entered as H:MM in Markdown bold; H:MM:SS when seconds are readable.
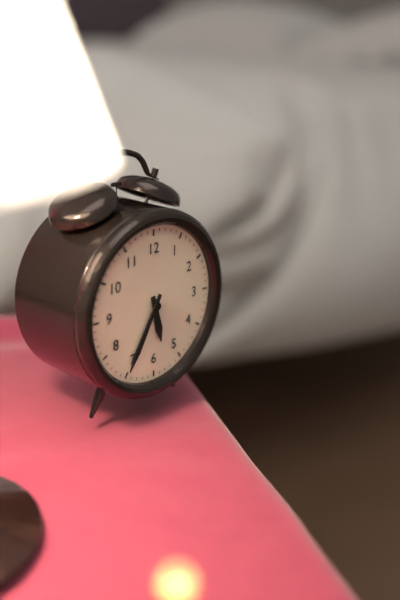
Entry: **5:35**
